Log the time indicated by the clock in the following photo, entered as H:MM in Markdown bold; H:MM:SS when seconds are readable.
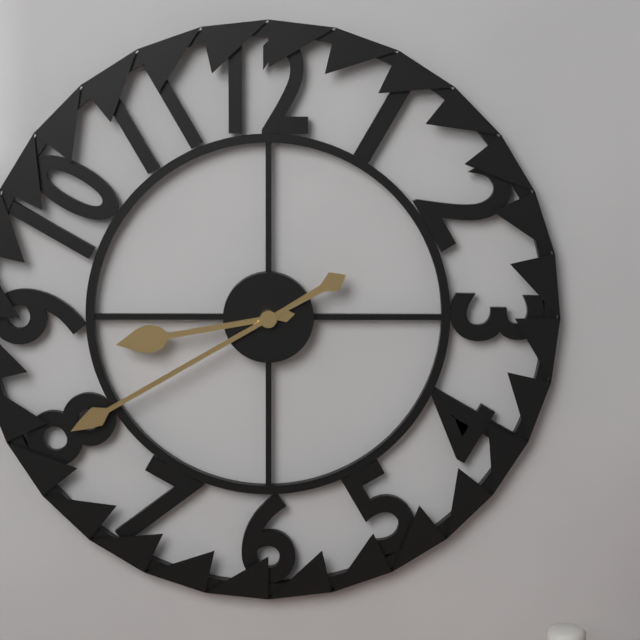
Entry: **8:40**
